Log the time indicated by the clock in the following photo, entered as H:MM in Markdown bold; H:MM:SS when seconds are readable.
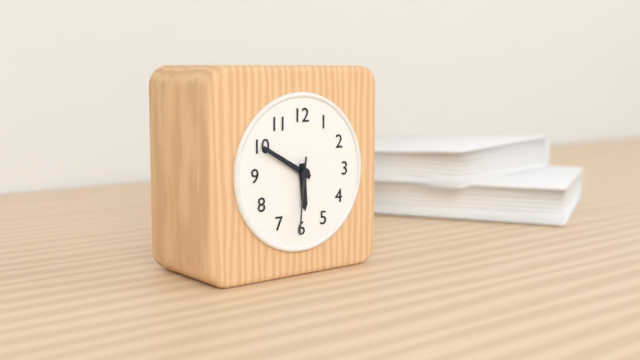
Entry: **5:50:31**
